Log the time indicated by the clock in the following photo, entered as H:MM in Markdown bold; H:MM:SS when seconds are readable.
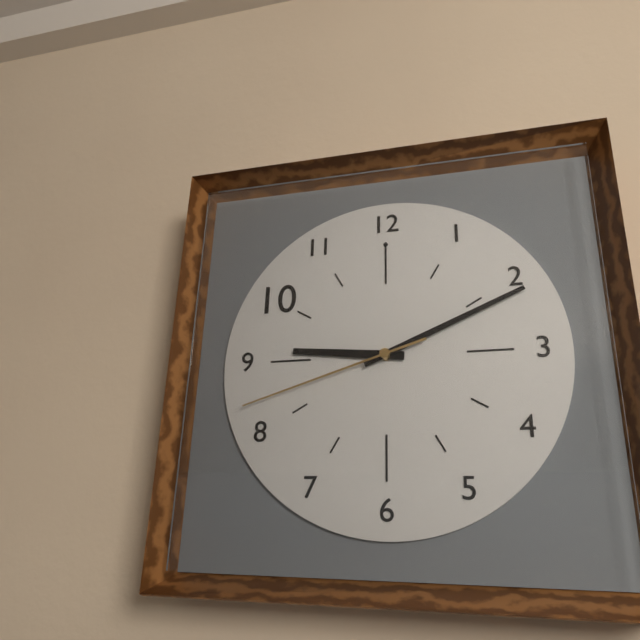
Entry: **9:11:42**
